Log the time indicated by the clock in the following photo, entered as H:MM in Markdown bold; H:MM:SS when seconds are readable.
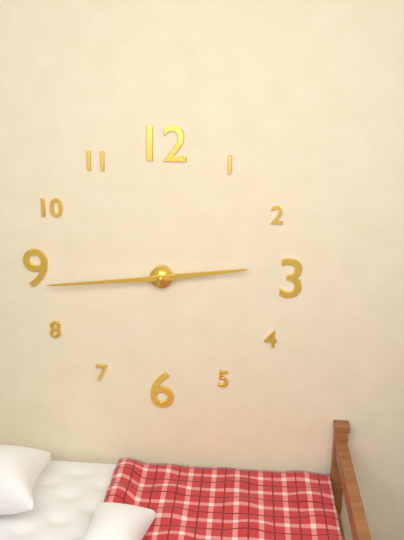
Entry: **2:44**
